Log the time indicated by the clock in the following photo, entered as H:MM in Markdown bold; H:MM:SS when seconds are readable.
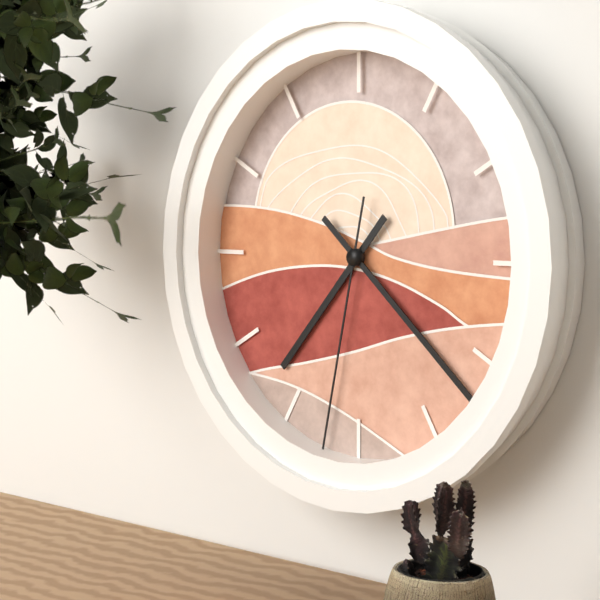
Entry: **7:22:32**
